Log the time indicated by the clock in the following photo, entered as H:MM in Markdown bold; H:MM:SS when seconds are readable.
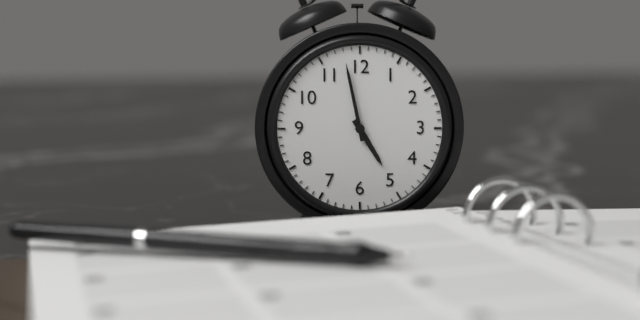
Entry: **4:58**
